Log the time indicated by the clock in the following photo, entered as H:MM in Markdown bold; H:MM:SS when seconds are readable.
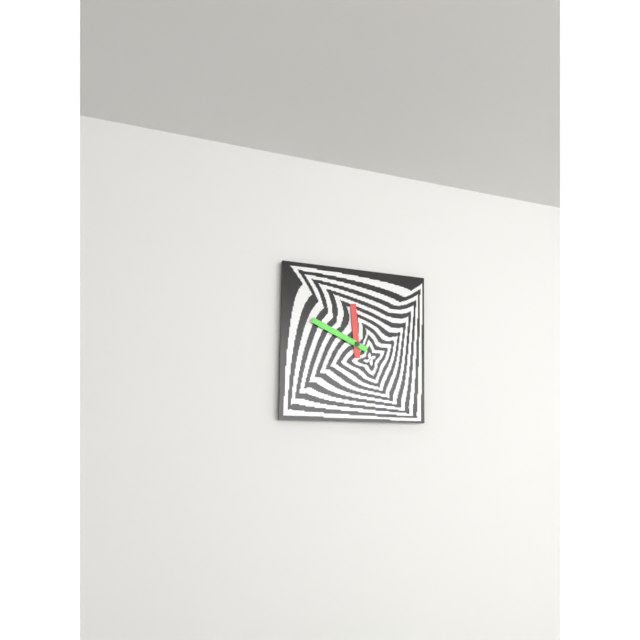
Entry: **11:49**
